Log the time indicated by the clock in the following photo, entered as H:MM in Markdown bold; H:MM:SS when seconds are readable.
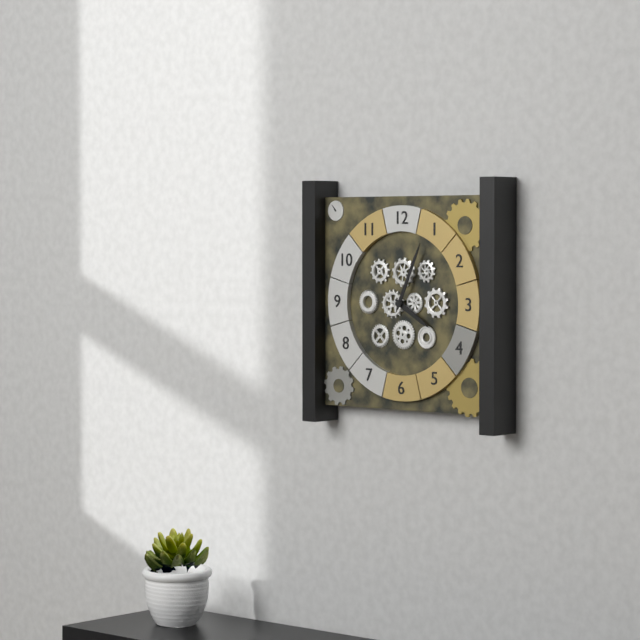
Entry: **4:04**
